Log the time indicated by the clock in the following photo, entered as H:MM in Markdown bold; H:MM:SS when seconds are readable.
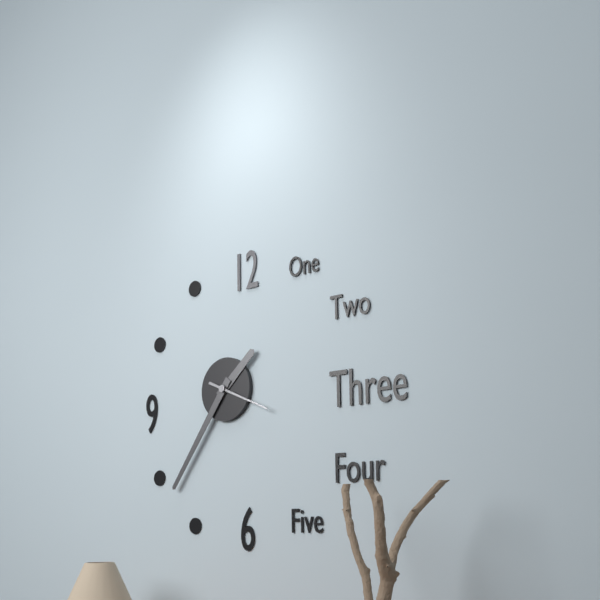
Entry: **1:36:19**
